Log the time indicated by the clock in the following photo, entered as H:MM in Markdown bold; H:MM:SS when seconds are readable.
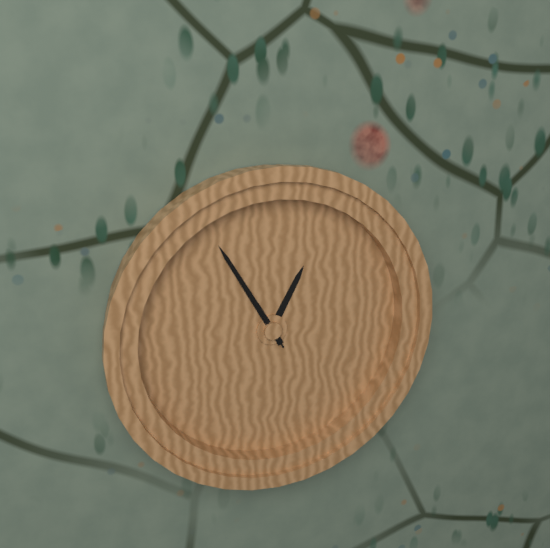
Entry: **12:55:55**
